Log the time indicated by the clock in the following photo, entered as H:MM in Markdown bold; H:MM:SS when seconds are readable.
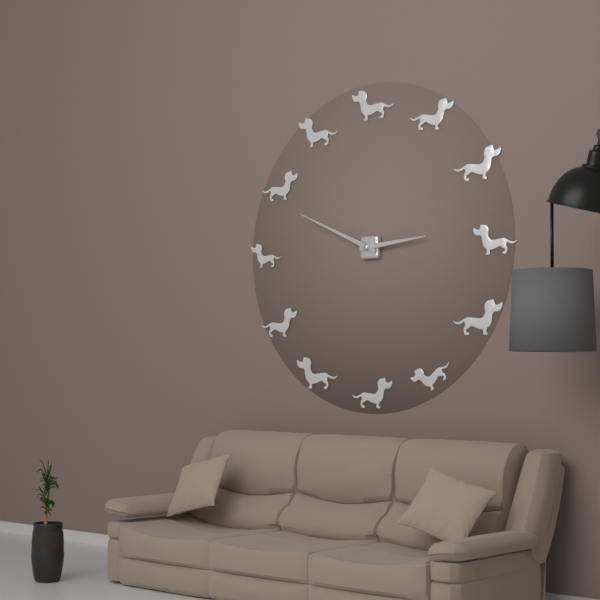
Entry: **2:49**
